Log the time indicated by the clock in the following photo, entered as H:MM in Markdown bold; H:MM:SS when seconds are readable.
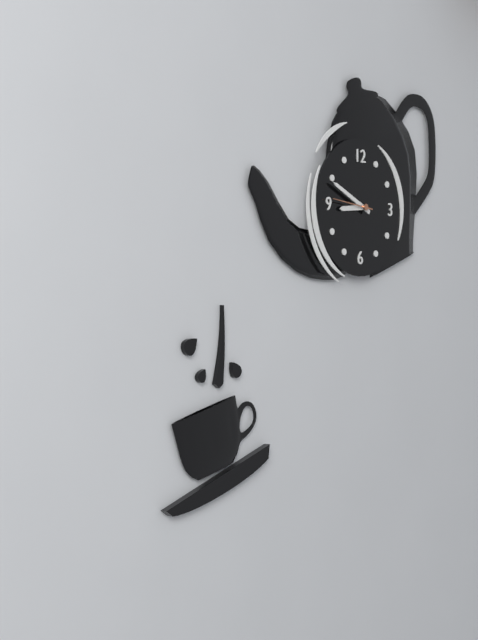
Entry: **8:49**
